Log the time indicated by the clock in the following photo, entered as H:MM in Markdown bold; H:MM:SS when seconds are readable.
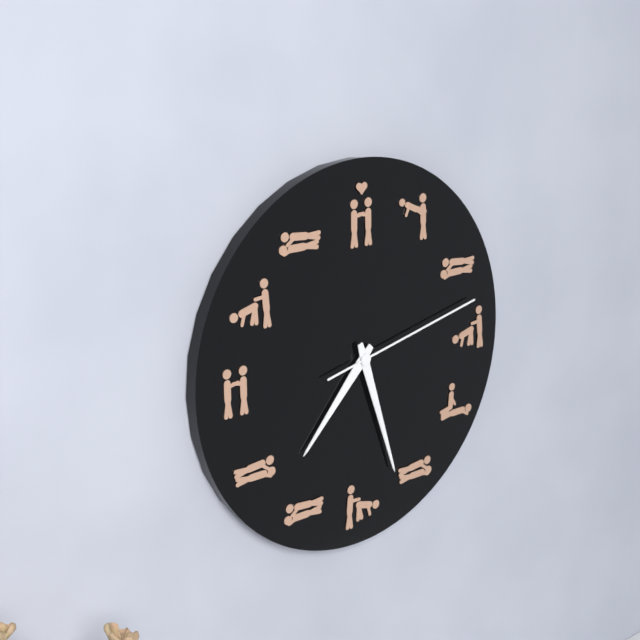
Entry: **7:27:13**
